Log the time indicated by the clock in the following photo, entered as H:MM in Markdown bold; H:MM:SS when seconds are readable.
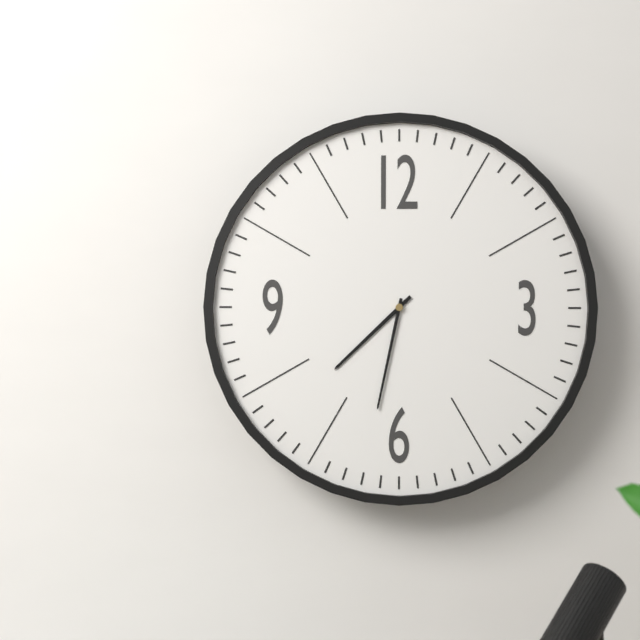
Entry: **7:32**
